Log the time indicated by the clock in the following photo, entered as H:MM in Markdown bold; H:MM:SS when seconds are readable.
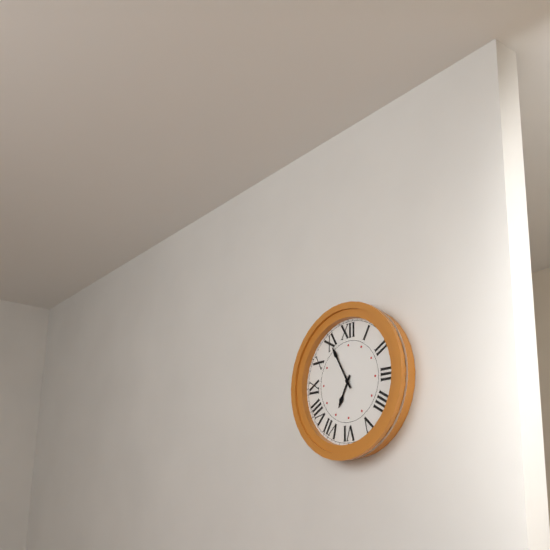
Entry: **6:55**
